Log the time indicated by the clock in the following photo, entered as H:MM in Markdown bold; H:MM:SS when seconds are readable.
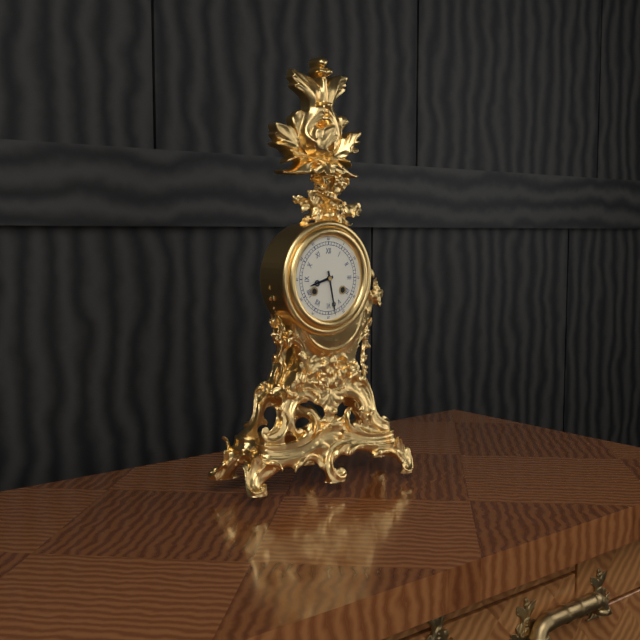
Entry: **8:28**
